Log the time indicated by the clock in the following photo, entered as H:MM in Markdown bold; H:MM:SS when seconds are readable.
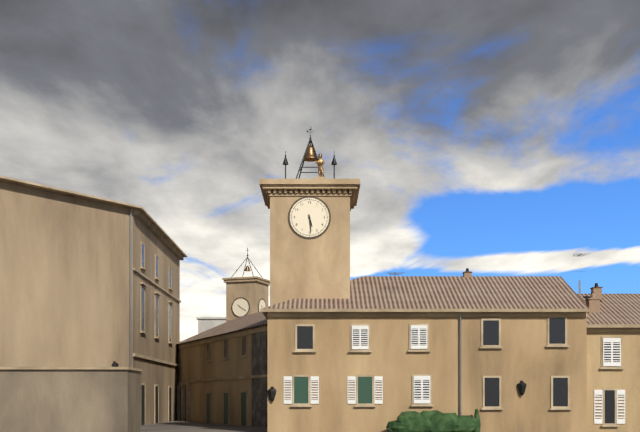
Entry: **5:29**
